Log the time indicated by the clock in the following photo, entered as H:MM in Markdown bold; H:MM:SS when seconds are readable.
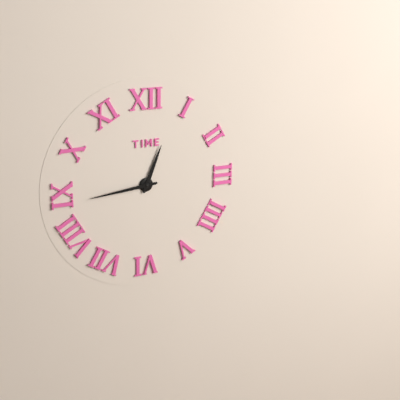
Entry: **12:44**
